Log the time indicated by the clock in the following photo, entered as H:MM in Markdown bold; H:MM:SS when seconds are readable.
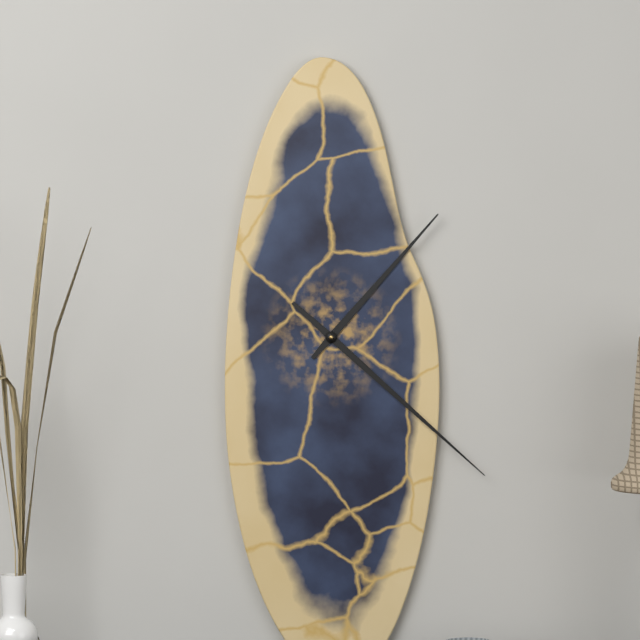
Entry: **1:22**
